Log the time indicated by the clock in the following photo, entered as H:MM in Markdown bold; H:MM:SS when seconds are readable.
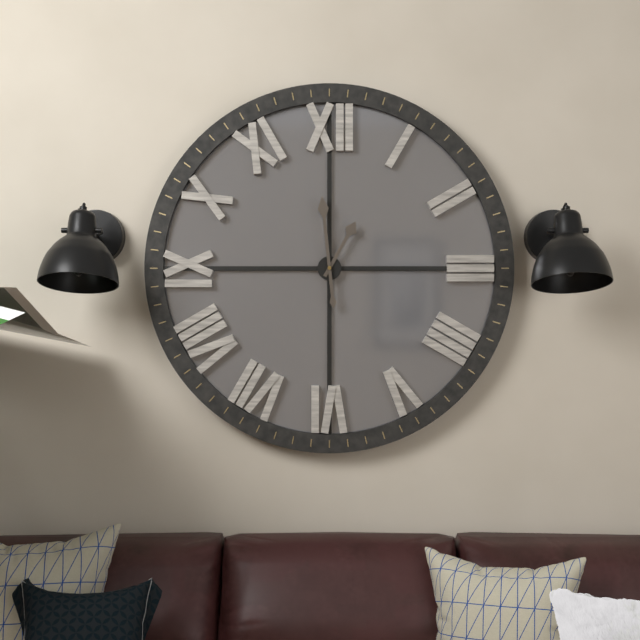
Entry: **12:59**
